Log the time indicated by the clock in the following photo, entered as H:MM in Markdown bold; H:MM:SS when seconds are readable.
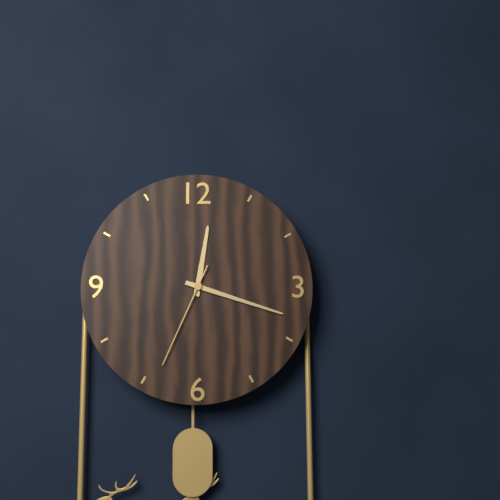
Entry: **12:18:34**
